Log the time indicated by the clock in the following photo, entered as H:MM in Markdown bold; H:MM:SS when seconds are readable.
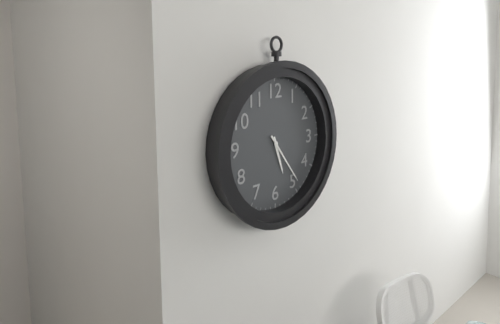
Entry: **5:24**
